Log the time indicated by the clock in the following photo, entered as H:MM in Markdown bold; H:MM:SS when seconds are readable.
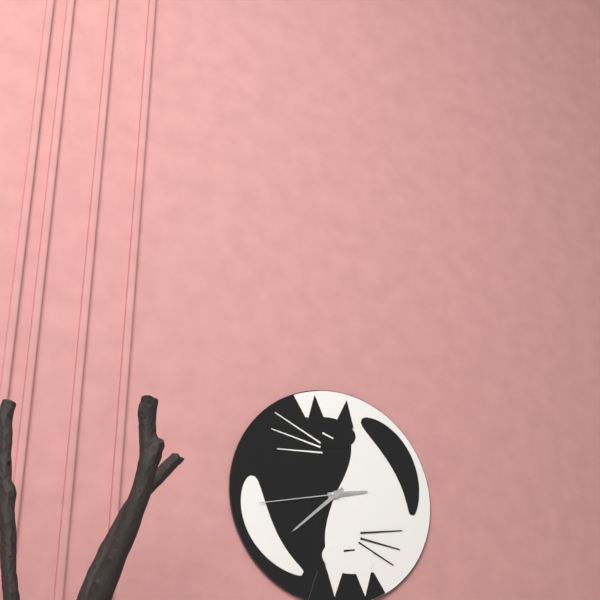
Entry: **2:38:43**
